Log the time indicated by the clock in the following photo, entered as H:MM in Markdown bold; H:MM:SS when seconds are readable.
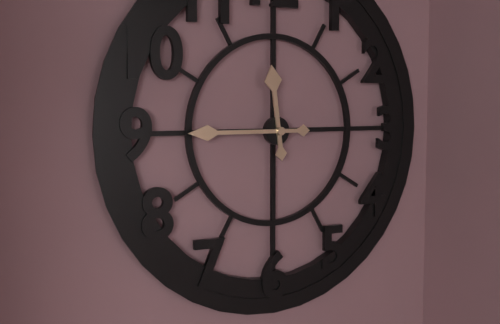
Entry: **11:45**
